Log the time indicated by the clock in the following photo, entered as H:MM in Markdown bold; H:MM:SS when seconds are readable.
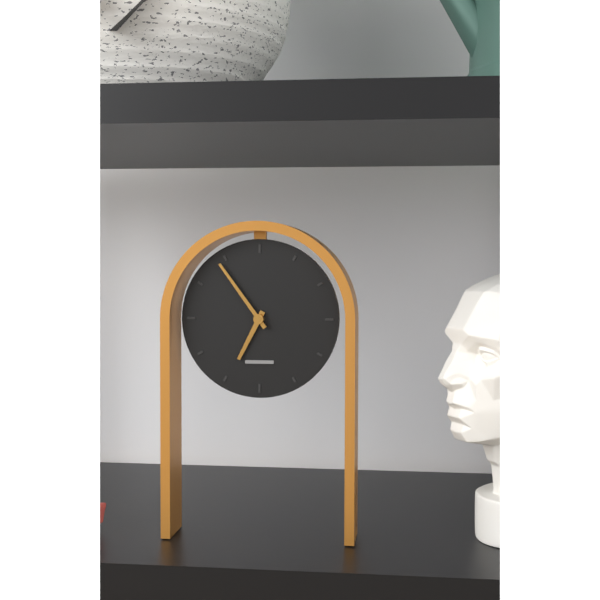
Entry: **6:54**
